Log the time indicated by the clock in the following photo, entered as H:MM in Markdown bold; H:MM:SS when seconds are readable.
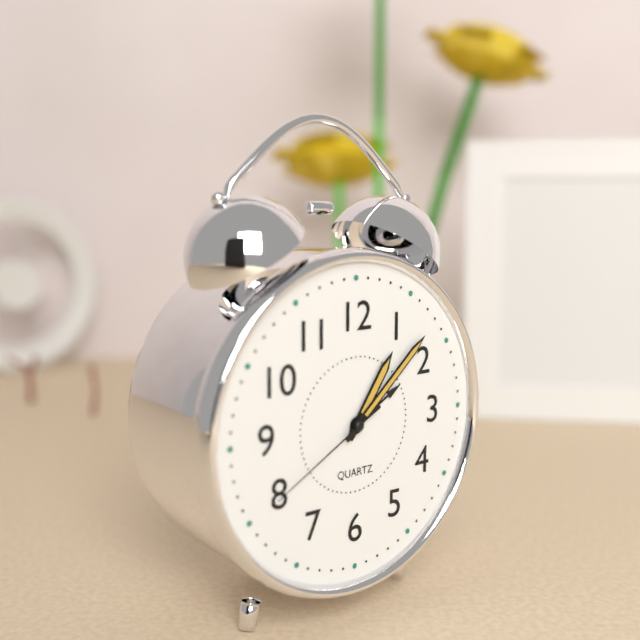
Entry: **1:08:40**
